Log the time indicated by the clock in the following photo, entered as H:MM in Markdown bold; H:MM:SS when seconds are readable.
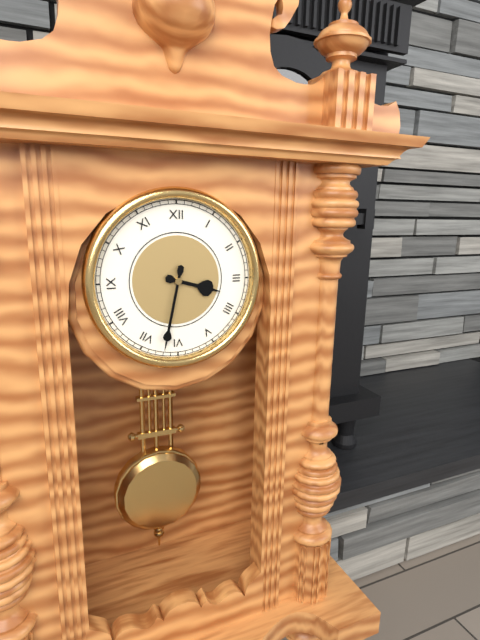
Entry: **3:32**
